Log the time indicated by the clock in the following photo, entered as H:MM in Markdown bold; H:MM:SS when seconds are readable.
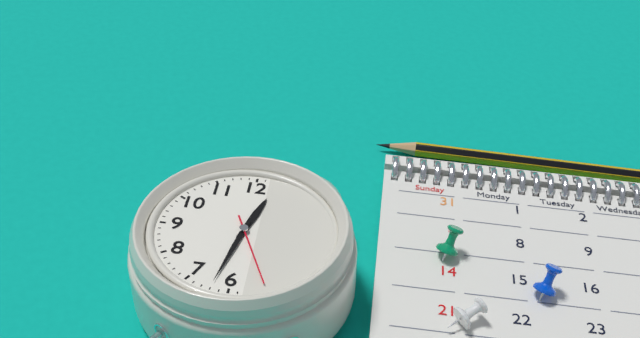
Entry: **12:32:26**
